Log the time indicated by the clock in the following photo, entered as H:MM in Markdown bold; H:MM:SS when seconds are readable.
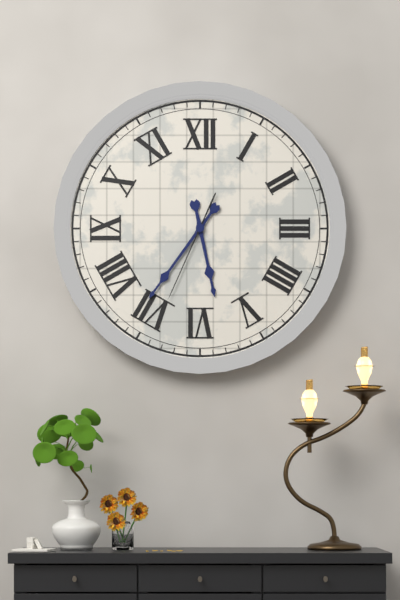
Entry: **5:36:34**
